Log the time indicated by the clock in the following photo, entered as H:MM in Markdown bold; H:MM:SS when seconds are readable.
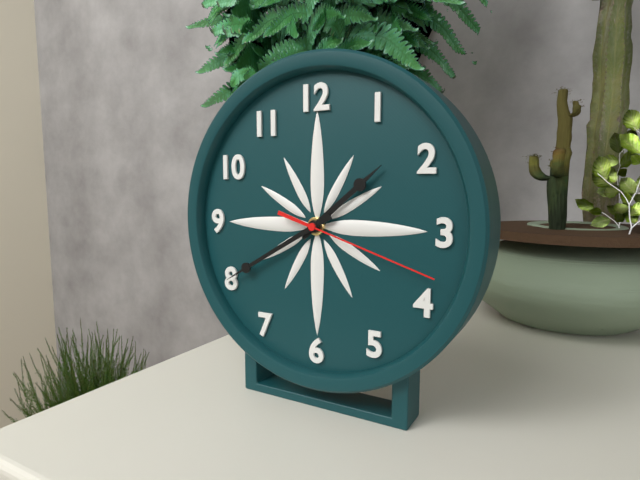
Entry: **1:40:18**
